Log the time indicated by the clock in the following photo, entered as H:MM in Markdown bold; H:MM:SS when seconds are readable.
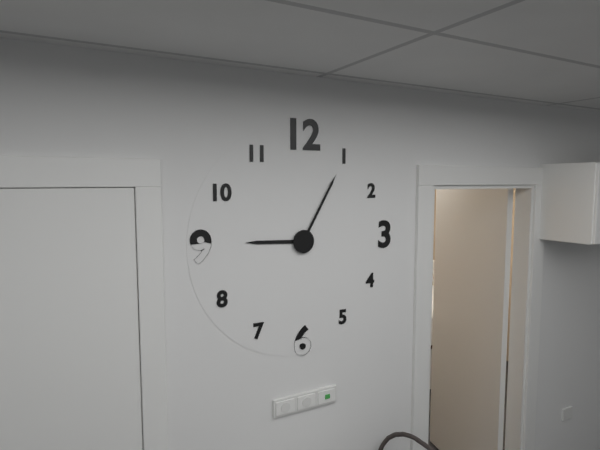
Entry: **9:05**
